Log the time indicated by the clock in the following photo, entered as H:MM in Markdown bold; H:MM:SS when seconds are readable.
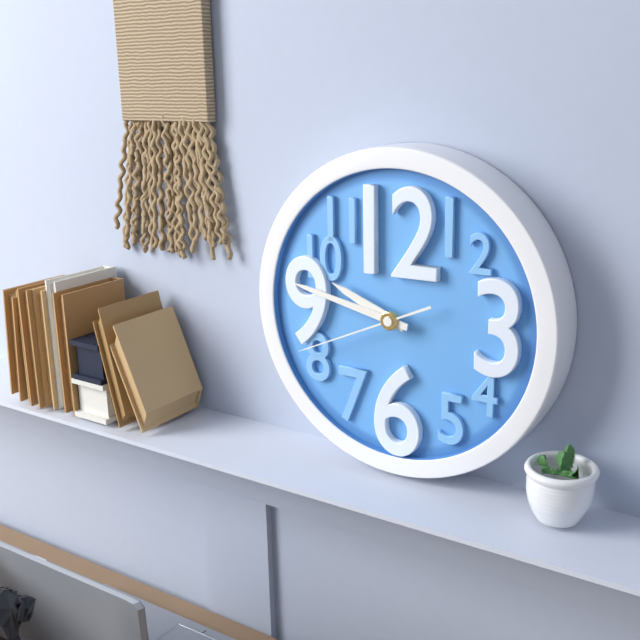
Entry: **9:47:41**
